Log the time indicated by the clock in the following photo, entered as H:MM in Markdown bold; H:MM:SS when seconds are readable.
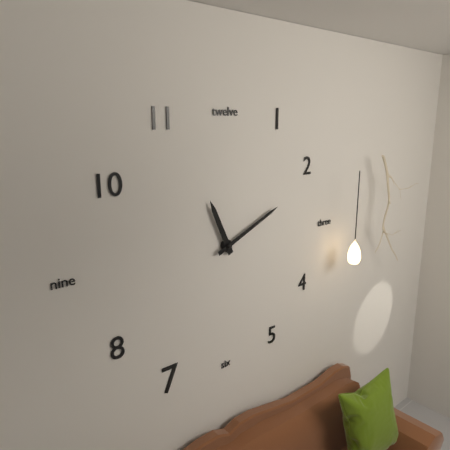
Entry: **11:11**
